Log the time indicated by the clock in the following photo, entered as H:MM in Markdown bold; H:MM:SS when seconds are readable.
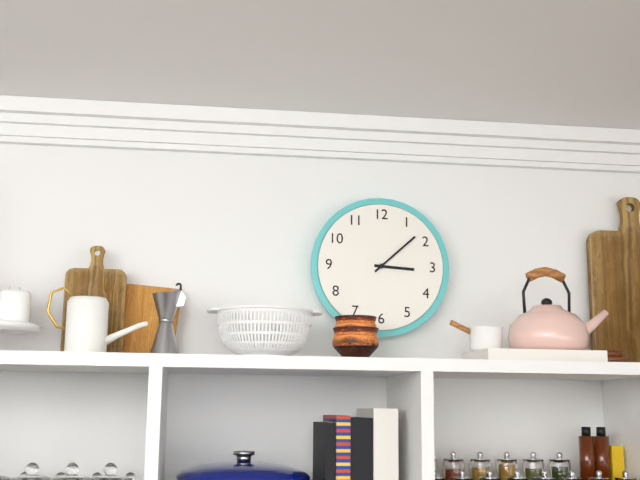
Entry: **3:08**
